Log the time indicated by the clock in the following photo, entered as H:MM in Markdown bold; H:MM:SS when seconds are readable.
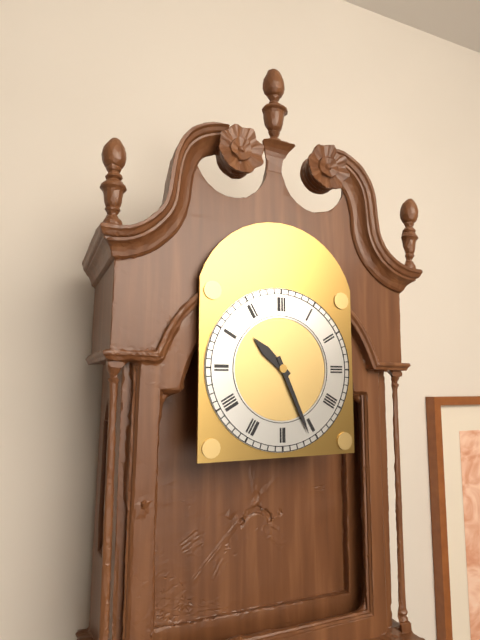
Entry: **10:26**
